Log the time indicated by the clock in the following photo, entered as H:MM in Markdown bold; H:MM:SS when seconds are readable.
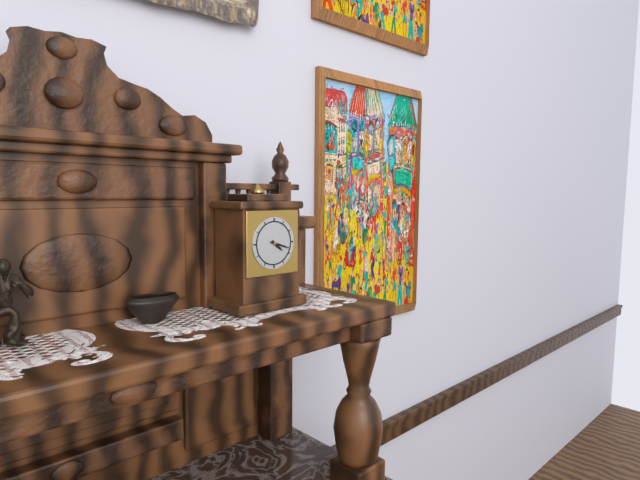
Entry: **4:18**
